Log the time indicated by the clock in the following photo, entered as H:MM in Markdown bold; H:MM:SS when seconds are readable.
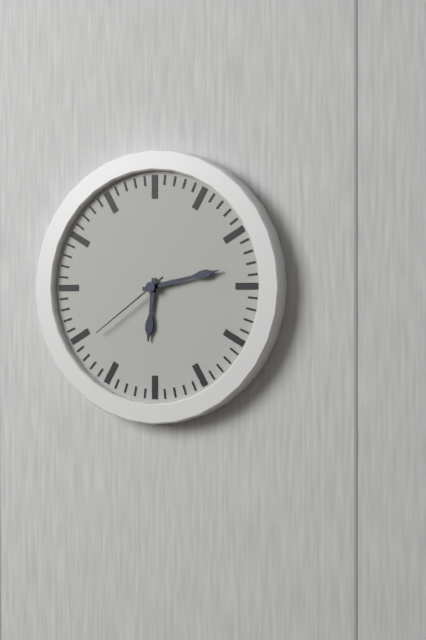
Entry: **6:13:39**
